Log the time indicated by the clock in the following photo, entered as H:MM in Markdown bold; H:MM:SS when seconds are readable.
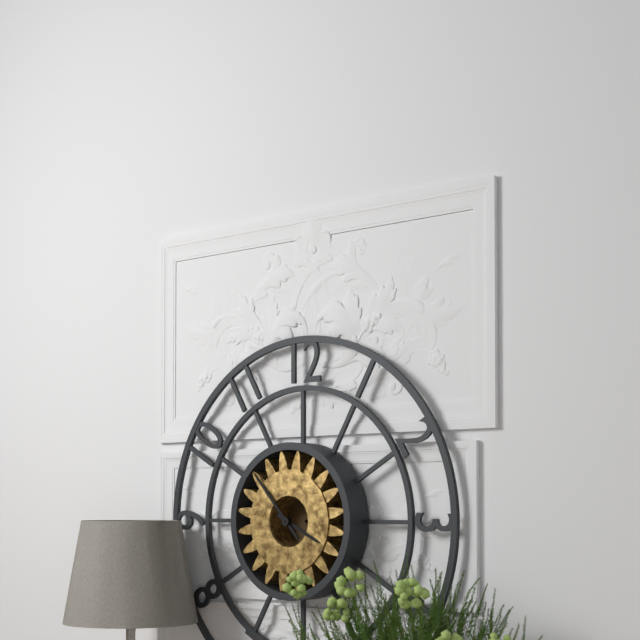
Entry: **3:53**
